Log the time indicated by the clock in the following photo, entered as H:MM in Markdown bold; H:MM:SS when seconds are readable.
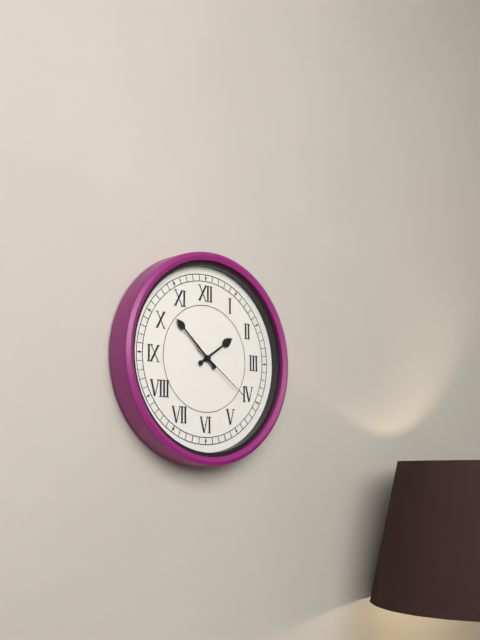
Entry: **1:52:21**
